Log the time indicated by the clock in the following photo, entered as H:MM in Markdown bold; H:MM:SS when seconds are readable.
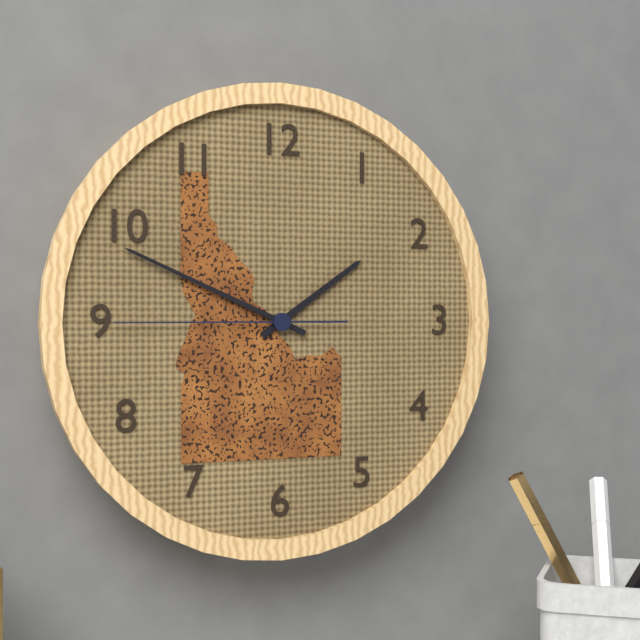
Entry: **1:49:45**
